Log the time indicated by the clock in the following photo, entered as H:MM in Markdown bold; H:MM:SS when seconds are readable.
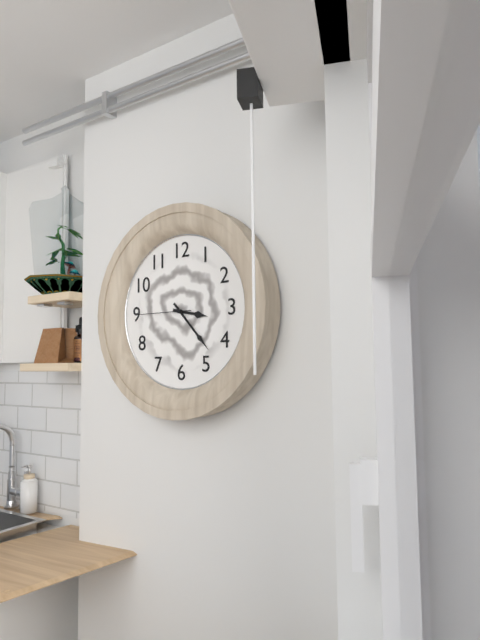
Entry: **3:23:45**
